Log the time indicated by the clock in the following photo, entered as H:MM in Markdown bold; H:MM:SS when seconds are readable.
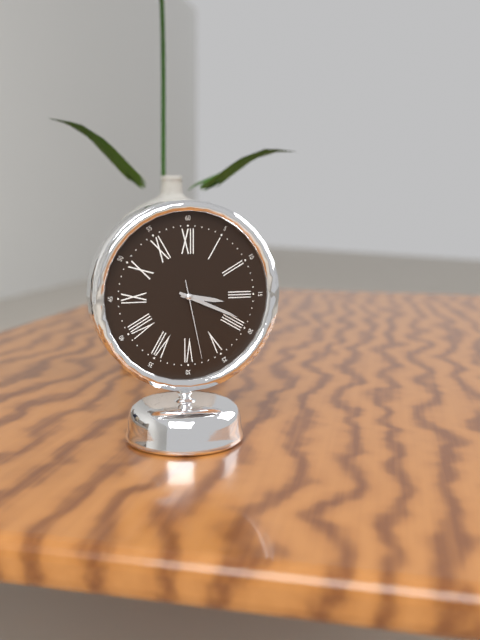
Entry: **3:19:28**
